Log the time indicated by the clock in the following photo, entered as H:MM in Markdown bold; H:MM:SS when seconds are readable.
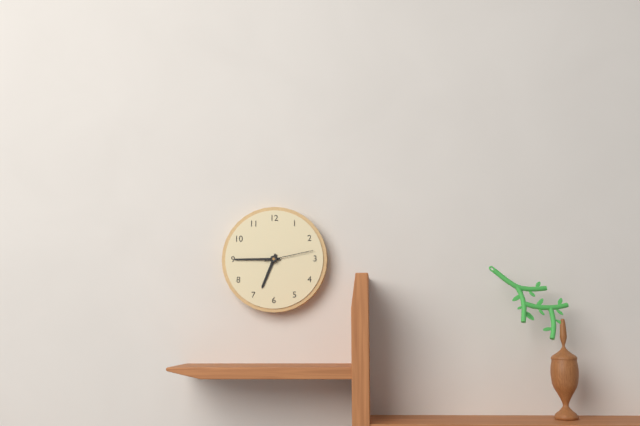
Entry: **6:45:13**
